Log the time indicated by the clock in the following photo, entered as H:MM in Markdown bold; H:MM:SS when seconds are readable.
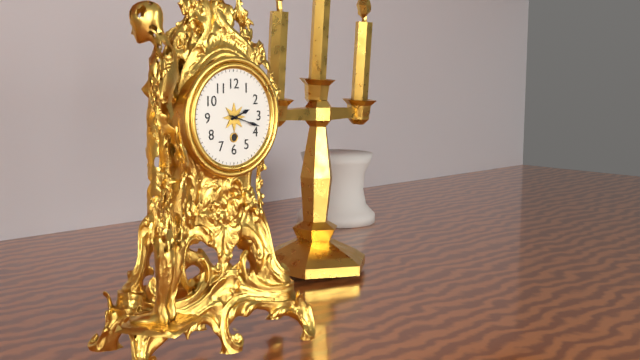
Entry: **2:18**
